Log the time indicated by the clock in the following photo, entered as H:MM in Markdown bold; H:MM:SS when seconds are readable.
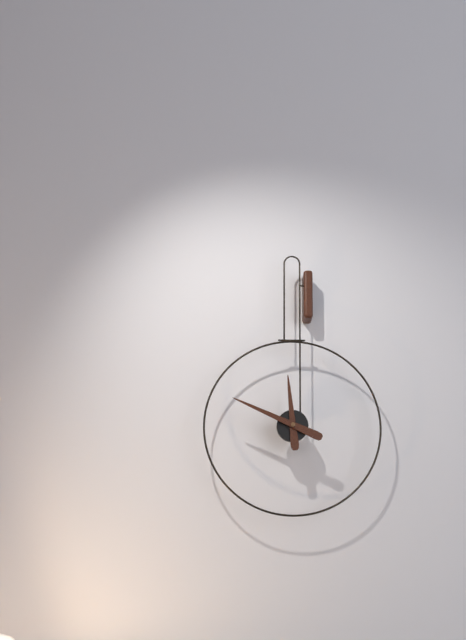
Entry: **11:49**
